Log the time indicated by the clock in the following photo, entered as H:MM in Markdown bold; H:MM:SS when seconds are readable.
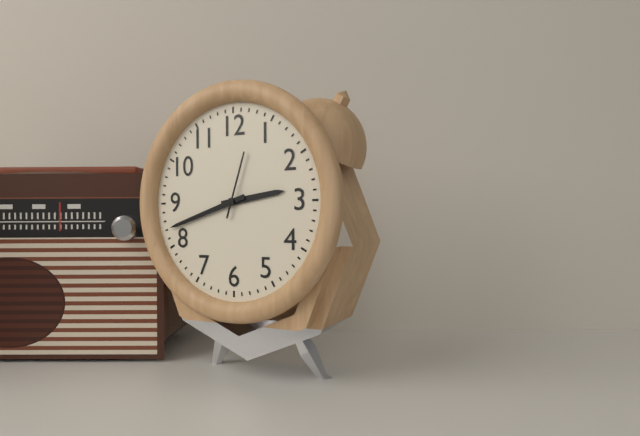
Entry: **2:42:03**
